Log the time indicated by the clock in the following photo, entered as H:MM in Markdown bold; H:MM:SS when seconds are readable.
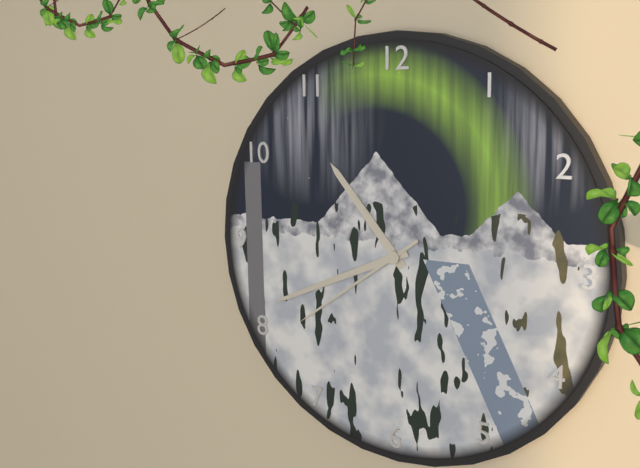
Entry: **10:41:39**
